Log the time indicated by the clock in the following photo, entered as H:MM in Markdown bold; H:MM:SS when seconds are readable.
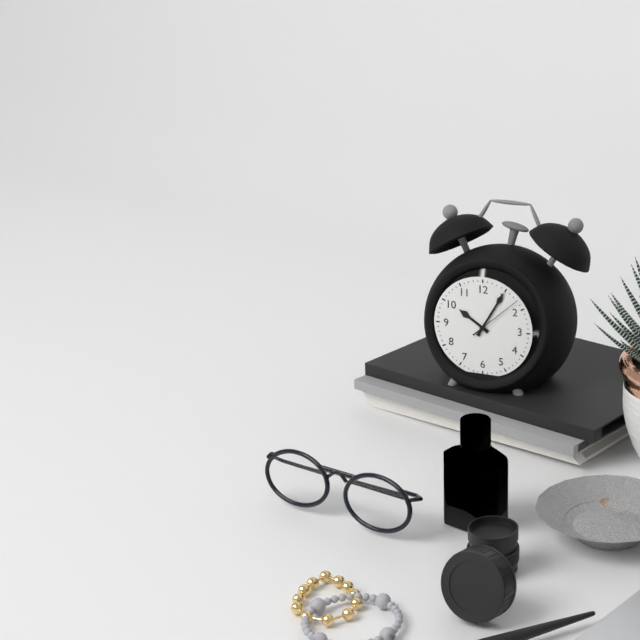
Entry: **10:05:08**
